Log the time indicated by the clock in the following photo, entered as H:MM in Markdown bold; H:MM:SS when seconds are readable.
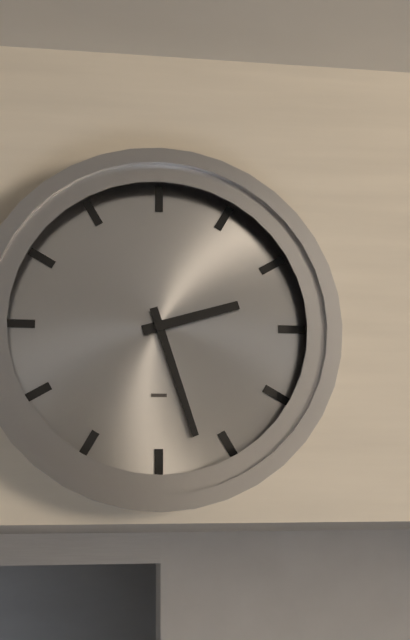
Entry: **2:27**
